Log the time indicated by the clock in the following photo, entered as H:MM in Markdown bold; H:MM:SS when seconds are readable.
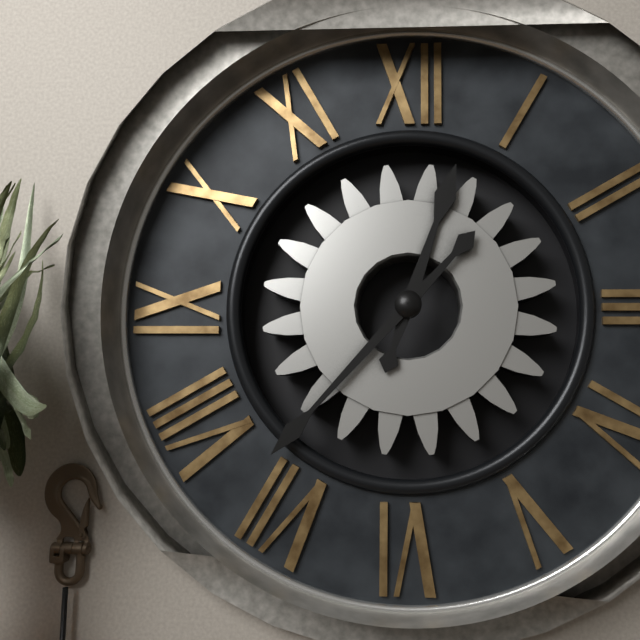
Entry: **12:37**
